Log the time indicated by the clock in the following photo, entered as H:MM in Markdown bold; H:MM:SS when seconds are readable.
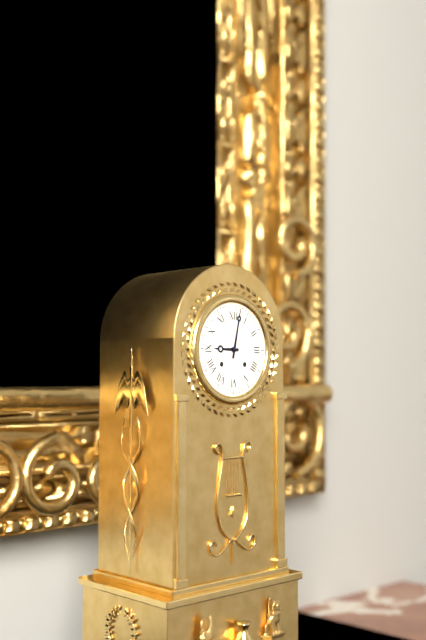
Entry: **9:02**
